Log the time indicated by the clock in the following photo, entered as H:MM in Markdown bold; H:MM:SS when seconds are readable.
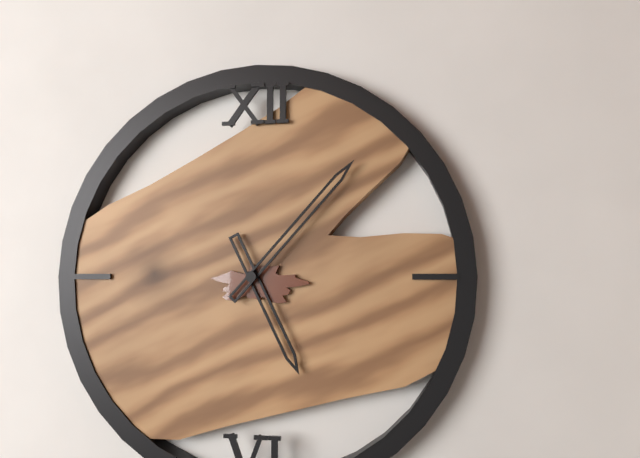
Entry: **5:07**
